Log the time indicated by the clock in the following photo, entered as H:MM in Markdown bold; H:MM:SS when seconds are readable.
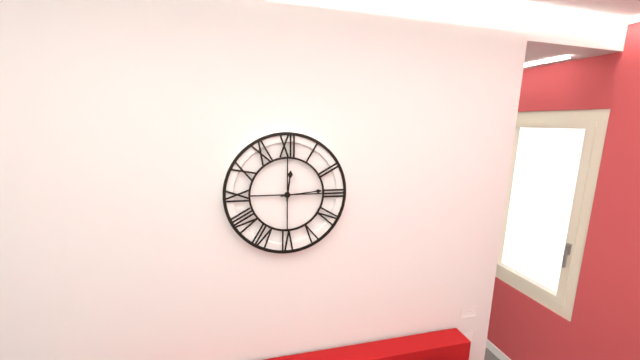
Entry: **12:14**
